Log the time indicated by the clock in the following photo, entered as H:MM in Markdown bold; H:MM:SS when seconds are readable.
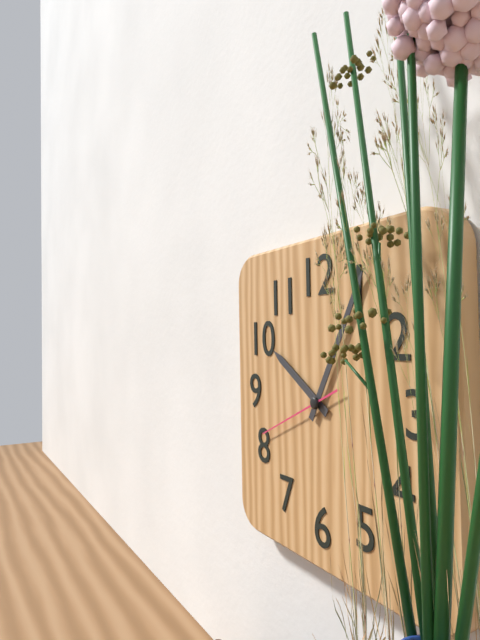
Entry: **10:05:41**
